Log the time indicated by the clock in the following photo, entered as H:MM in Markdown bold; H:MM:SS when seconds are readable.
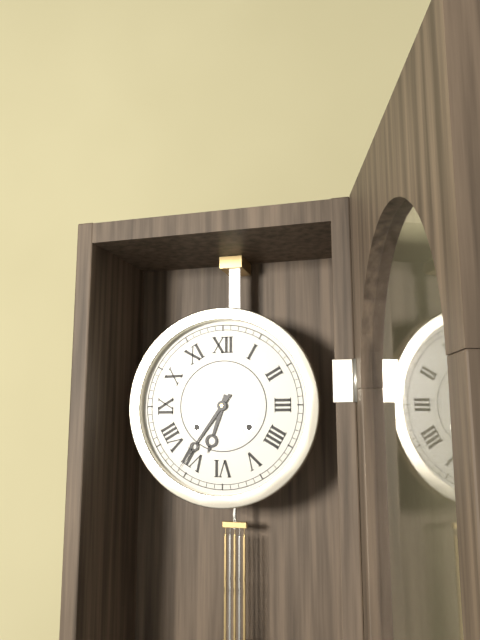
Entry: **6:36**
